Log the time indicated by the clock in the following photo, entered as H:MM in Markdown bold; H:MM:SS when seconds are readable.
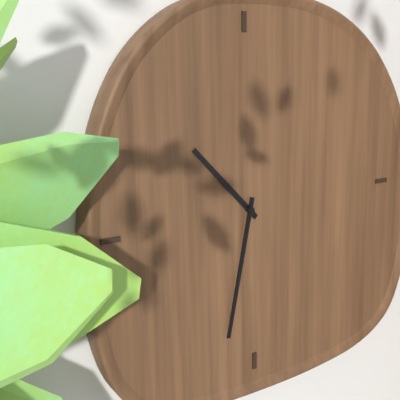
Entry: **10:32**
